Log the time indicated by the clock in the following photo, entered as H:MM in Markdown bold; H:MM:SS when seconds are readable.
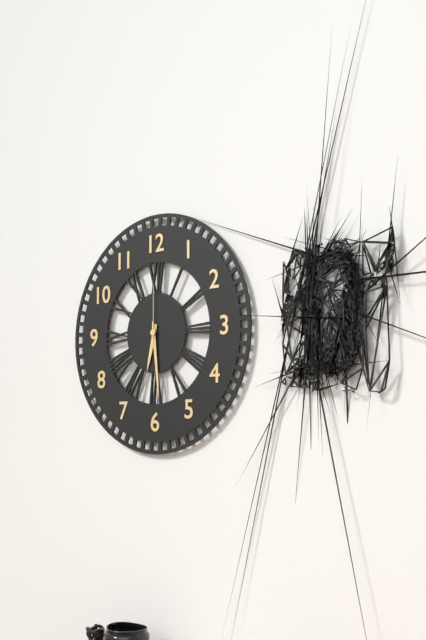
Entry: **6:29:00**
